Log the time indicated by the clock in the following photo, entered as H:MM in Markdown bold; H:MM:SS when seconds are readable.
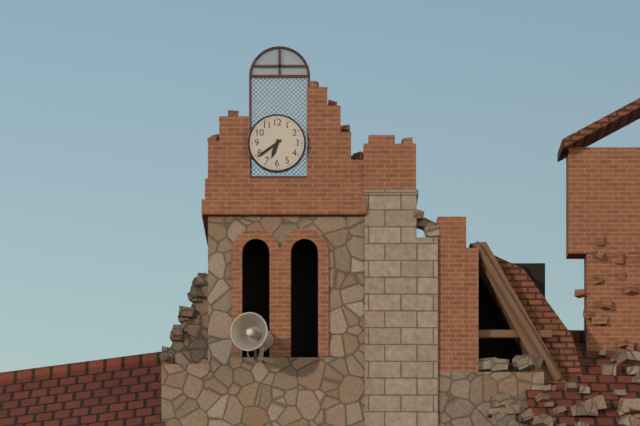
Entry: **6:39**
